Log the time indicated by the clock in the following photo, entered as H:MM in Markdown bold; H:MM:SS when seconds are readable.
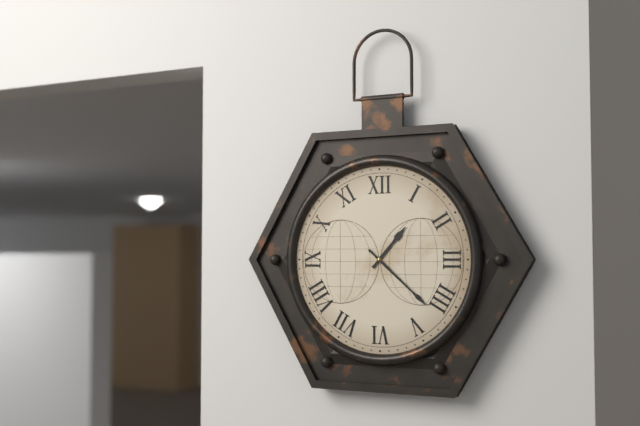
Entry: **1:22**
